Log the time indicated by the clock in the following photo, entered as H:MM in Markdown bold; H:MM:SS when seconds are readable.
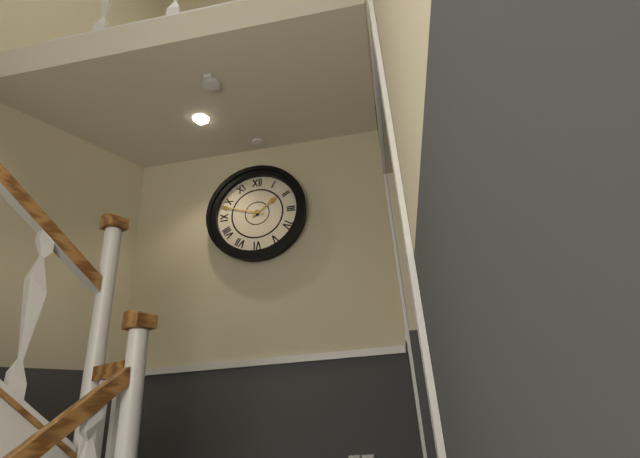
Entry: **1:48**
